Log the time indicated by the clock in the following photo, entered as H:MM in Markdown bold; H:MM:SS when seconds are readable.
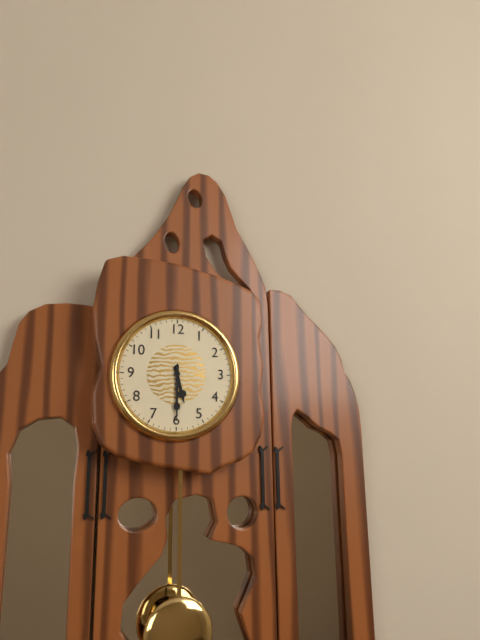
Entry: **5:30**
